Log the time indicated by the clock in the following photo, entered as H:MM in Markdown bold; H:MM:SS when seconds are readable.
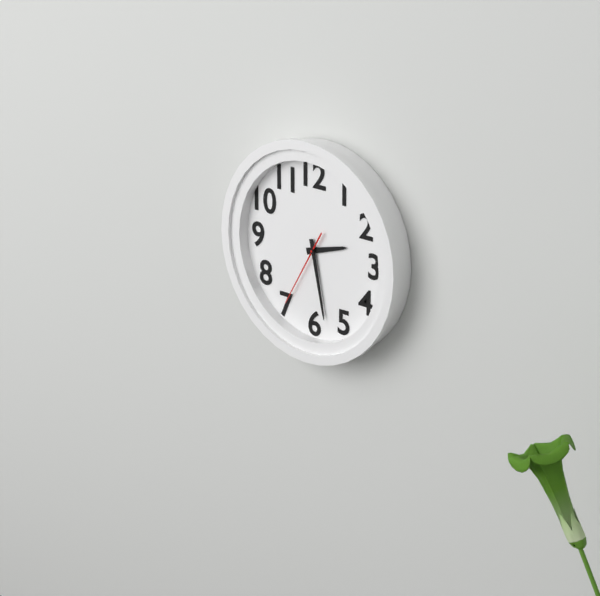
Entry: **2:28:35**
